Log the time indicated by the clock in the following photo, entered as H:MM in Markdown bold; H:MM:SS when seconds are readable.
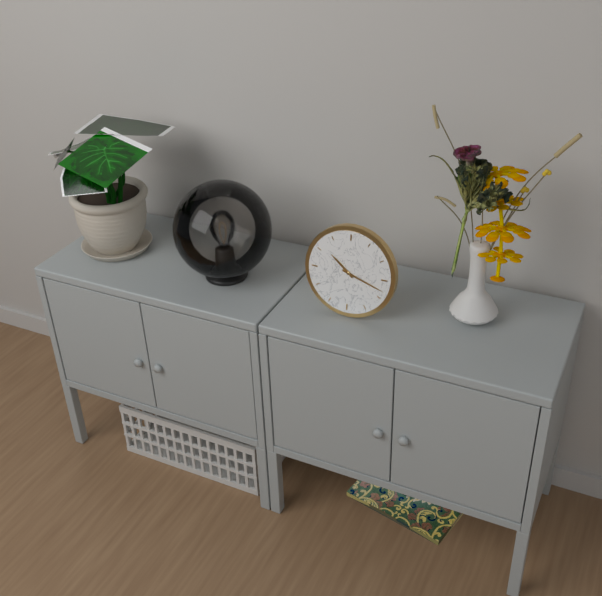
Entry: **10:18**
